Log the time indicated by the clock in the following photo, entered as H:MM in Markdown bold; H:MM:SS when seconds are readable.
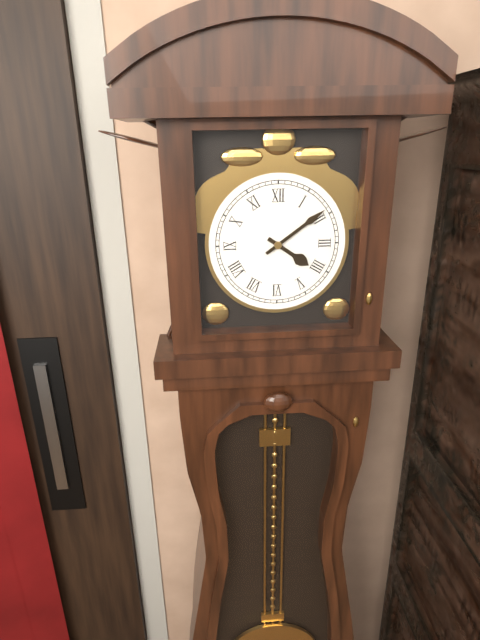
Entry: **4:09**
